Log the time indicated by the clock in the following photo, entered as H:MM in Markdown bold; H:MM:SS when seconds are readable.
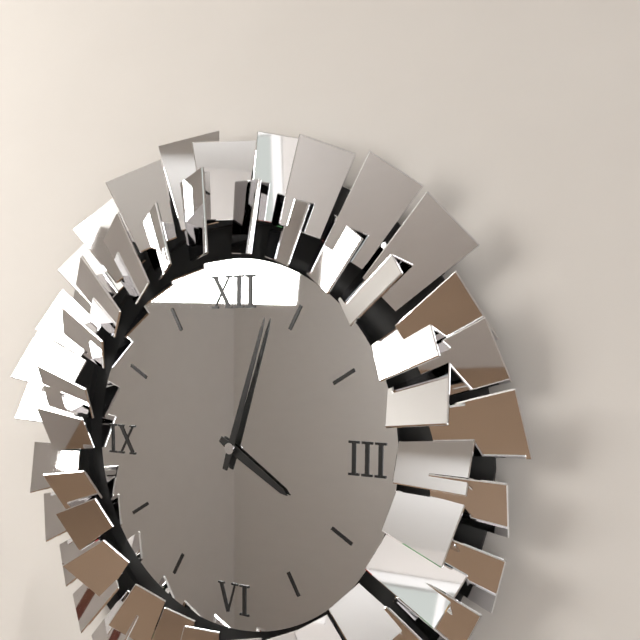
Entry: **4:03**
